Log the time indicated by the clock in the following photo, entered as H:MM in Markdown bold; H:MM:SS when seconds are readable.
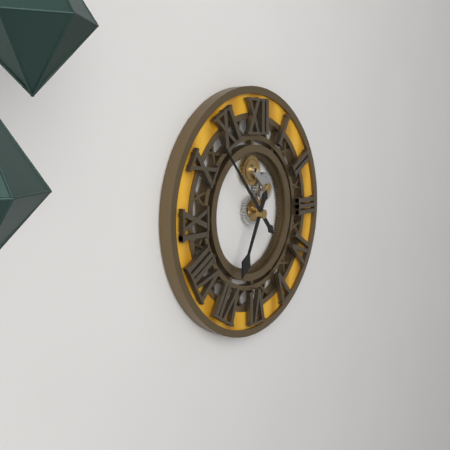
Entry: **6:53**
